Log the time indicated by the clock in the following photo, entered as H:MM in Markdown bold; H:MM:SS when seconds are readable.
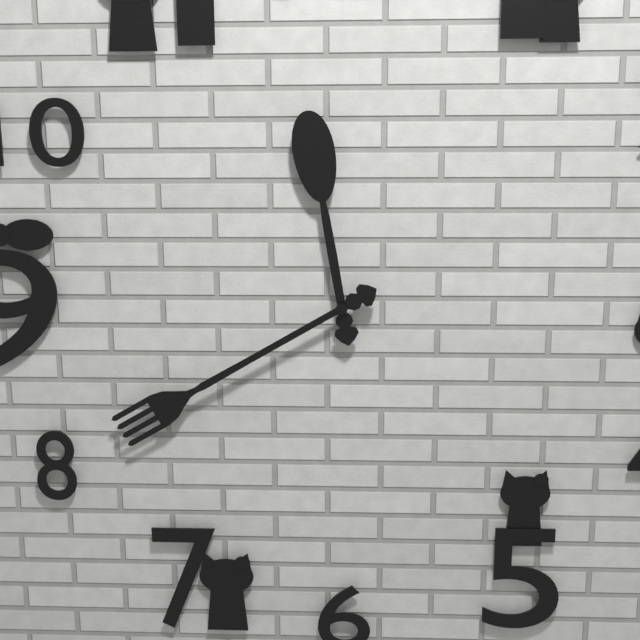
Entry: **11:40**
